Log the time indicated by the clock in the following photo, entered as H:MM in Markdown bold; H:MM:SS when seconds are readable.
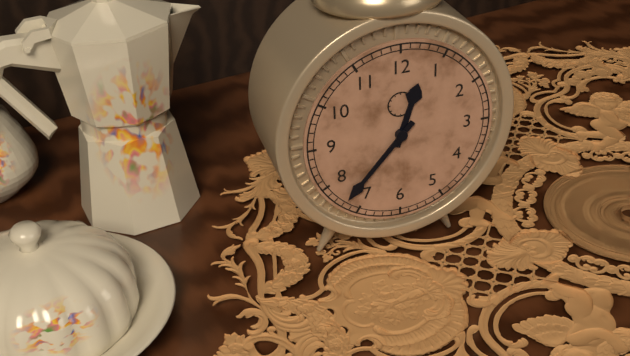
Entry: **12:37**
